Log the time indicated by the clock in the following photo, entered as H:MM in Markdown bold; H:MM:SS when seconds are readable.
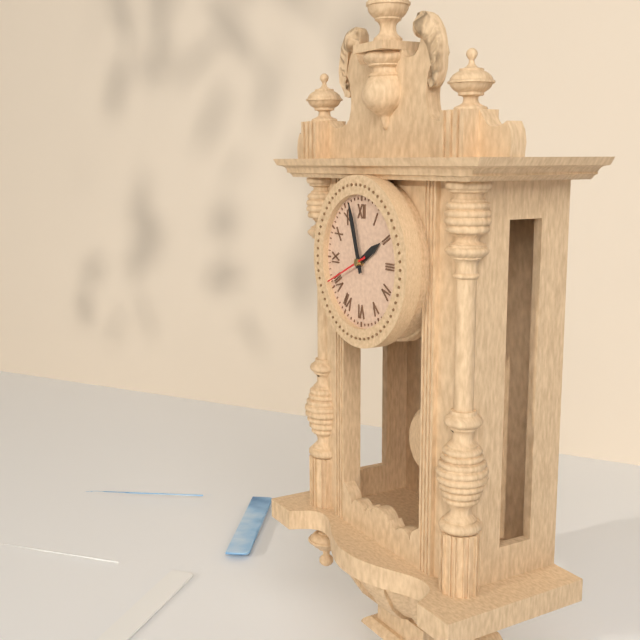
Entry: **1:57:41**
